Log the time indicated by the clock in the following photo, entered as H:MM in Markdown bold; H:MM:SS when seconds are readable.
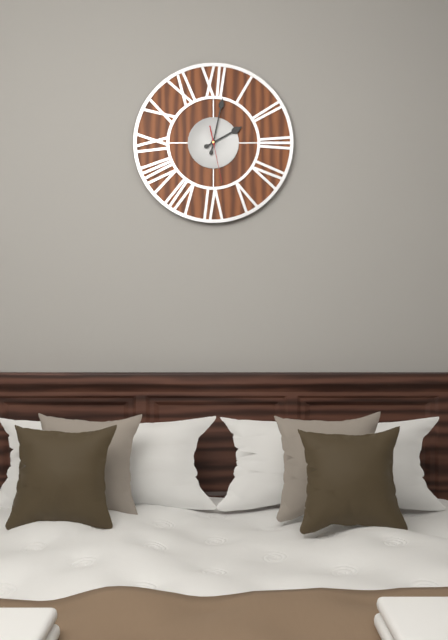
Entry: **2:02:28**
